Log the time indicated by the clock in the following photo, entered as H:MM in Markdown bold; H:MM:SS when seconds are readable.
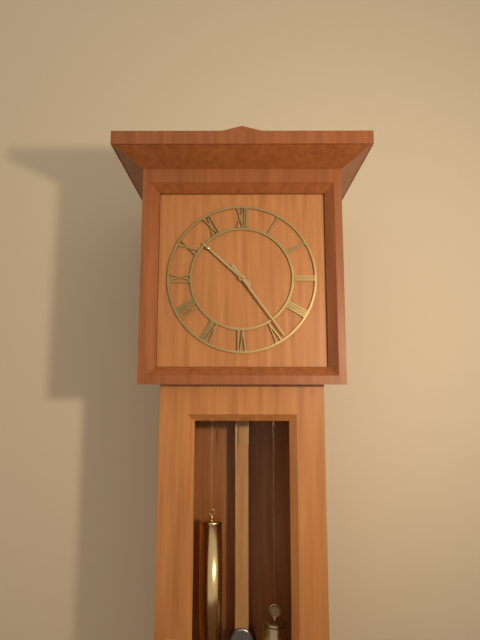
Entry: **10:24**
